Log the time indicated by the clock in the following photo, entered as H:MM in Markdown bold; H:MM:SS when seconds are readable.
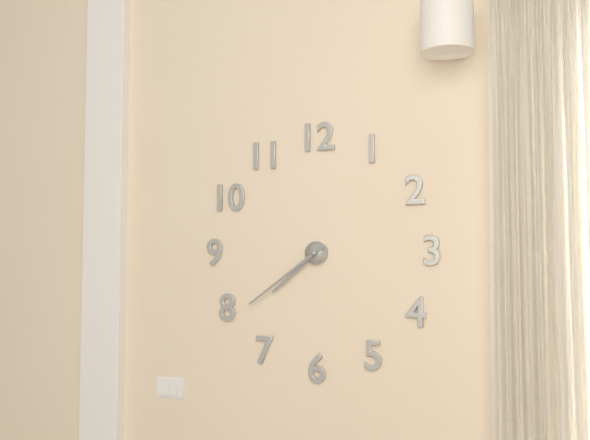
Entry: **7:39**
